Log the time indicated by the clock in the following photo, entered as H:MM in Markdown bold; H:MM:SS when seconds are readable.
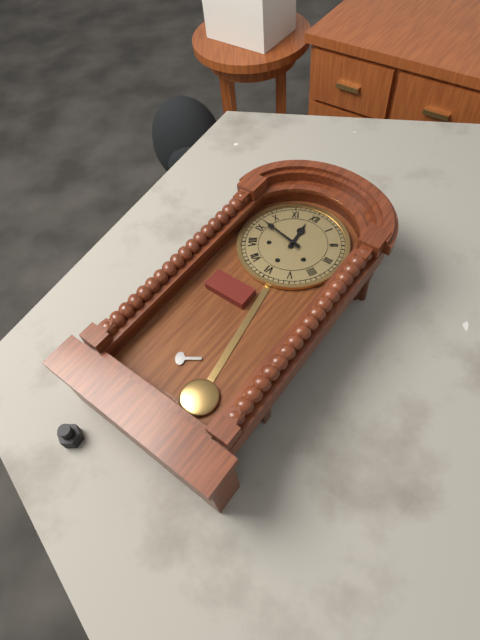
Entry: **11:47**
